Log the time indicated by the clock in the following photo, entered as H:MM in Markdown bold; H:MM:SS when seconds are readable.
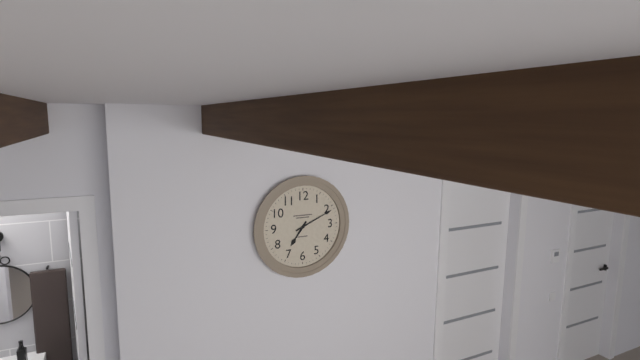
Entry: **7:11**
